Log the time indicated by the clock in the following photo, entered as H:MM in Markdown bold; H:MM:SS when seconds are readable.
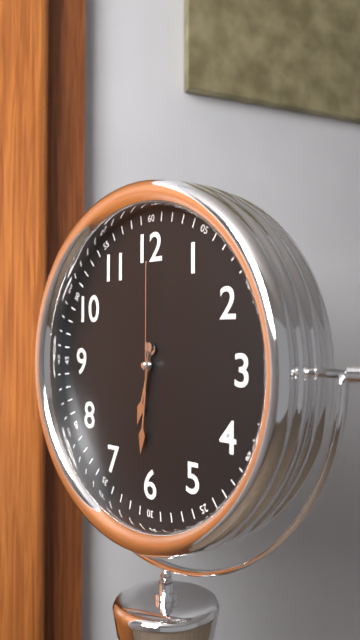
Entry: **6:31:00**
